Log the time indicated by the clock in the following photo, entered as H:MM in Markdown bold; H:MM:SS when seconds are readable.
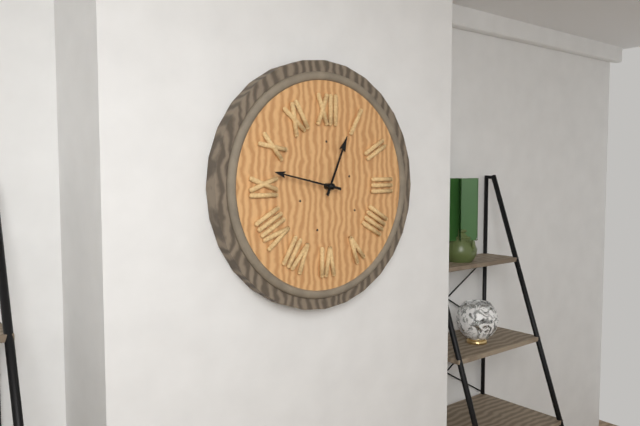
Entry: **12:47**
